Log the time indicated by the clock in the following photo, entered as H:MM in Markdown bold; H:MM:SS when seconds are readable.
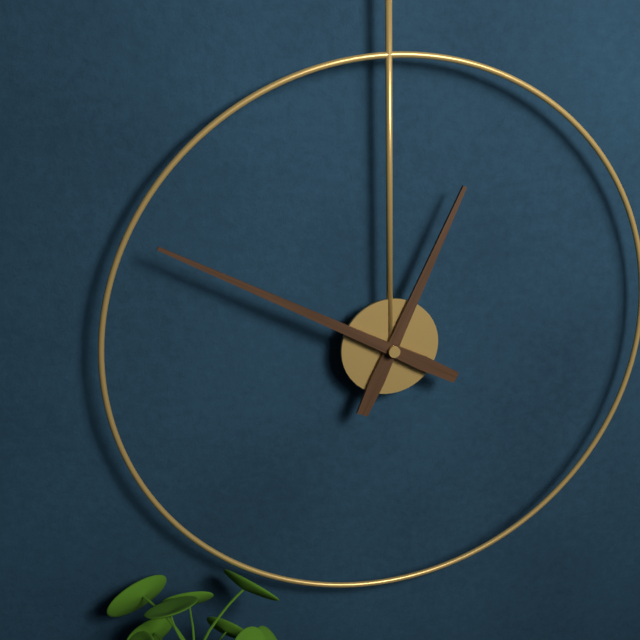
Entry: **12:50**
